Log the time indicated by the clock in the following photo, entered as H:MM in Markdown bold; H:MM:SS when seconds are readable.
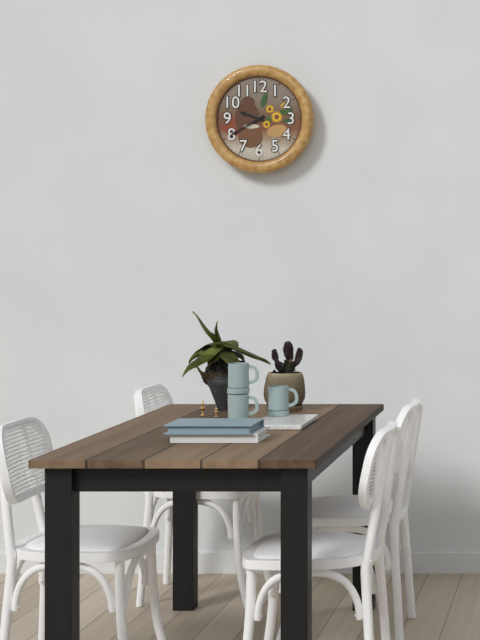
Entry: **9:40**
